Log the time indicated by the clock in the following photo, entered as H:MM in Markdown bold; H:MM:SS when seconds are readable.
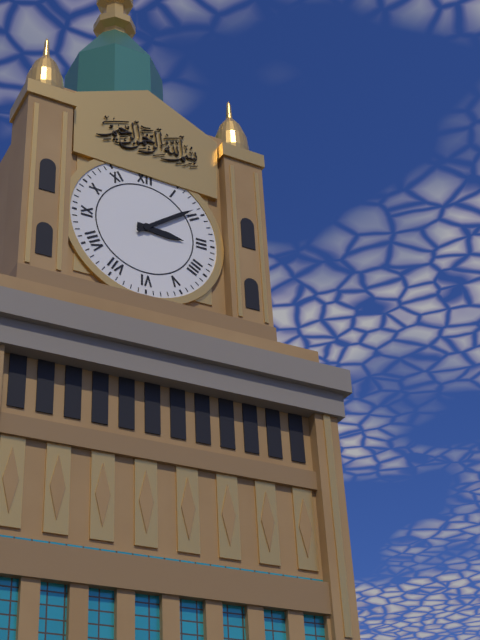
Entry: **3:09**
